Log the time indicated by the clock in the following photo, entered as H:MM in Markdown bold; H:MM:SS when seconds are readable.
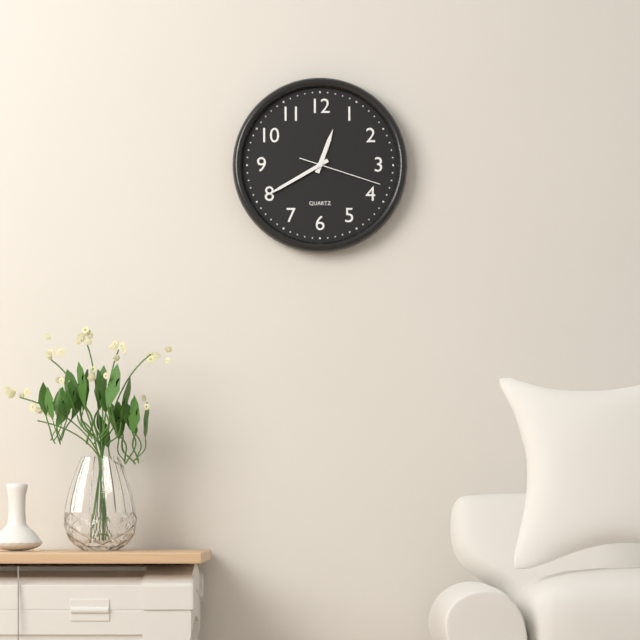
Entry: **12:40:18**
